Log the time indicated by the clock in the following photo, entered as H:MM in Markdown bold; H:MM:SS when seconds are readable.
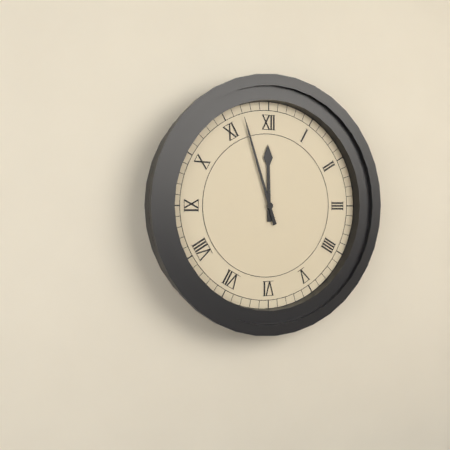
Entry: **11:57**
